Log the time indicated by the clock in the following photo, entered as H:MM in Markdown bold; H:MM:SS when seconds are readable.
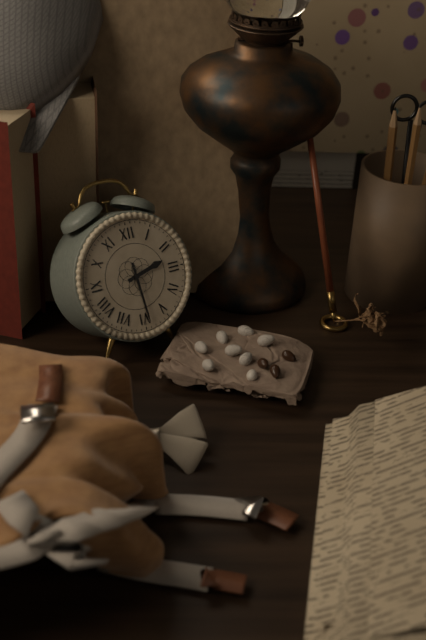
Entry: **2:29**
